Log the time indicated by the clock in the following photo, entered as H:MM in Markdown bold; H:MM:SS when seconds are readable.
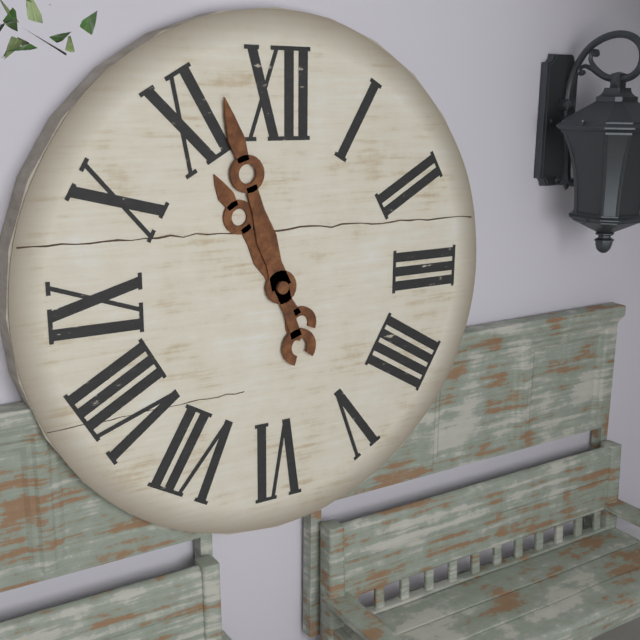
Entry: **10:57**
